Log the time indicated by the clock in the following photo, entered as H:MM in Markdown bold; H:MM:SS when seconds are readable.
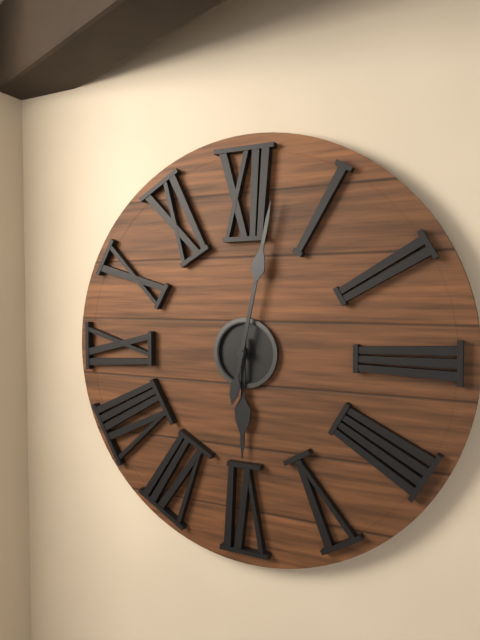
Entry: **6:02**
